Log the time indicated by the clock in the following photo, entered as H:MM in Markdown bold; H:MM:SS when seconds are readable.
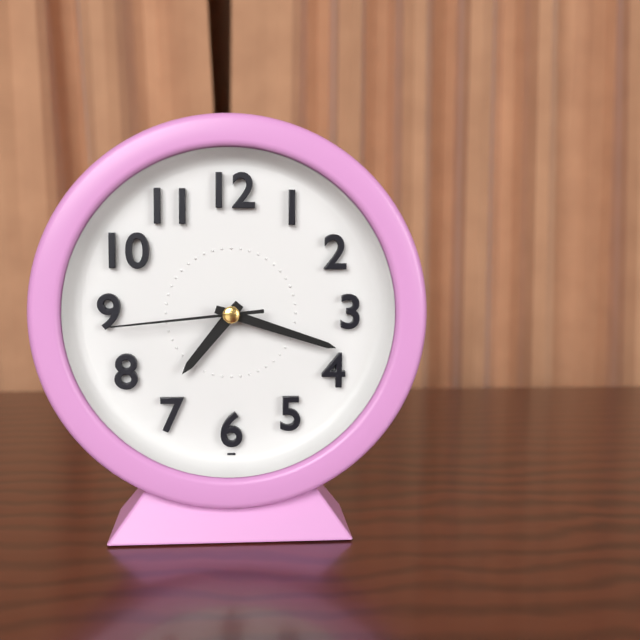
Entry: **7:18:44**
